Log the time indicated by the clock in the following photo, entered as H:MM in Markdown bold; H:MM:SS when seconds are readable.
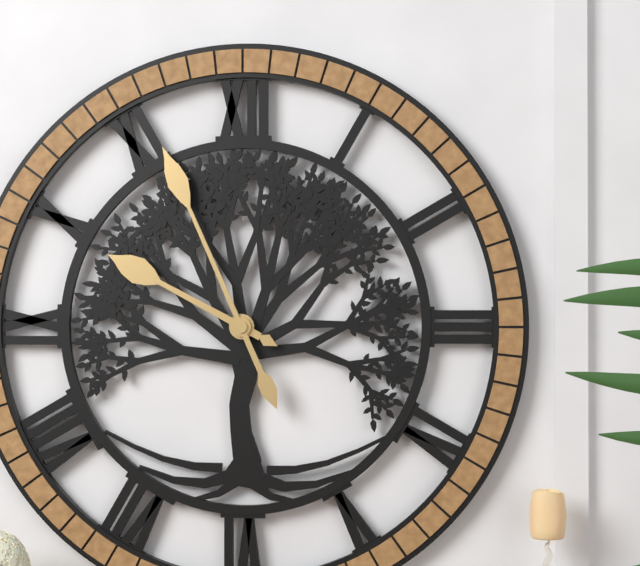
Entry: **9:56**
